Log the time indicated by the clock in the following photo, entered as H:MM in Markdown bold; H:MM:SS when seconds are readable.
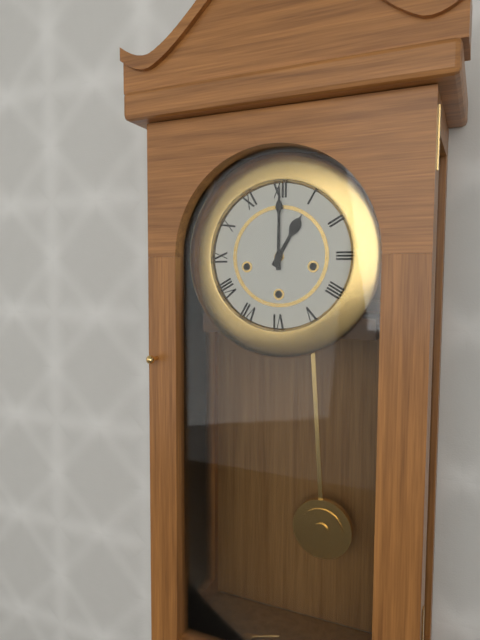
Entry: **1:00**
